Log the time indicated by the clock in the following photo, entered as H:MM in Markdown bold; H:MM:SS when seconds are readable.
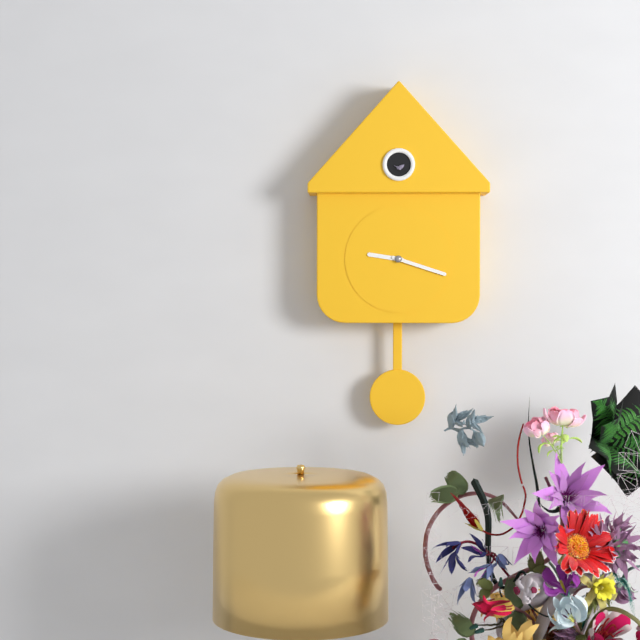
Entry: **9:18**
